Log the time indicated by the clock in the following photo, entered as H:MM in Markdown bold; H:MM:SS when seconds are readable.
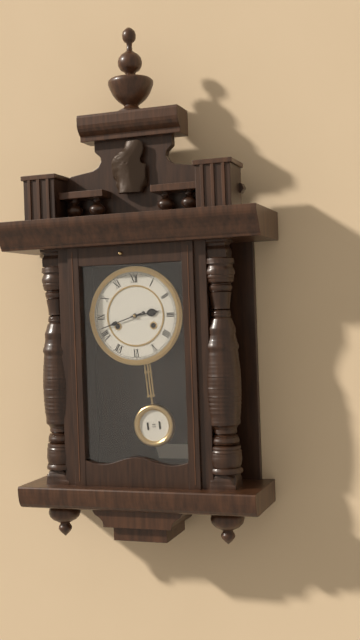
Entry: **2:42**
